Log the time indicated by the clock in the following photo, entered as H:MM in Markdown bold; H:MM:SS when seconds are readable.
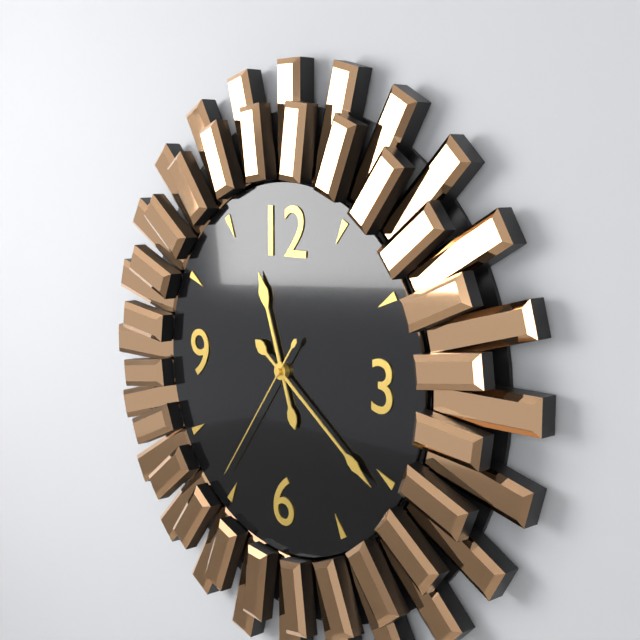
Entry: **11:21:36**
